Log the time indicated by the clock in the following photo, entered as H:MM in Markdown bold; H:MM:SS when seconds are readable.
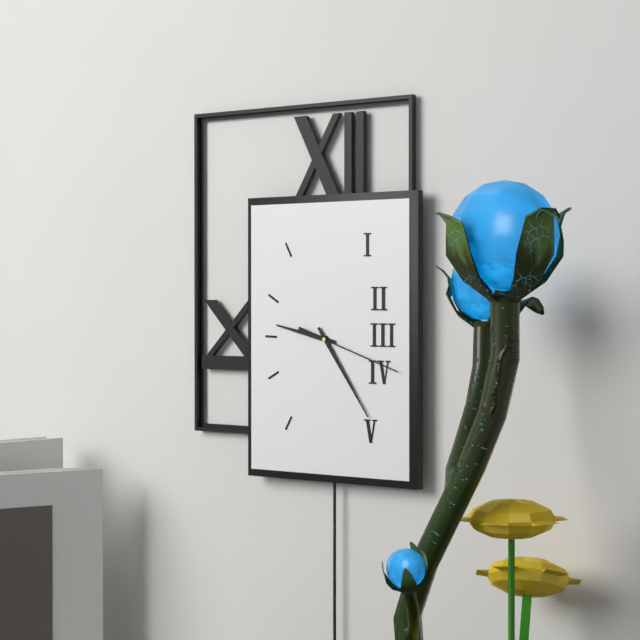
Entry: **9:24:18**
